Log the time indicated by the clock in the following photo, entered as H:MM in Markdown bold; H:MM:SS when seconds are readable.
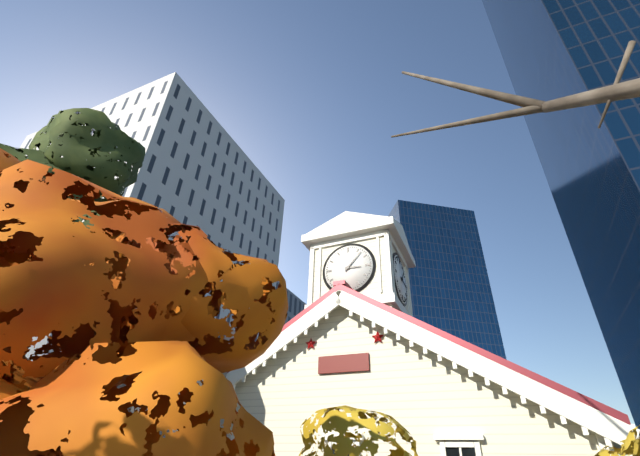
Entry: **3:07**
